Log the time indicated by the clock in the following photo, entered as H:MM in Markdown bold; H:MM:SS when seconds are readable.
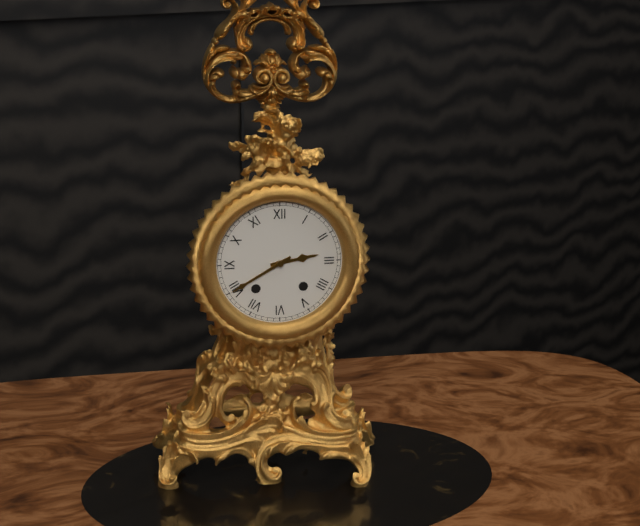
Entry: **2:40**
